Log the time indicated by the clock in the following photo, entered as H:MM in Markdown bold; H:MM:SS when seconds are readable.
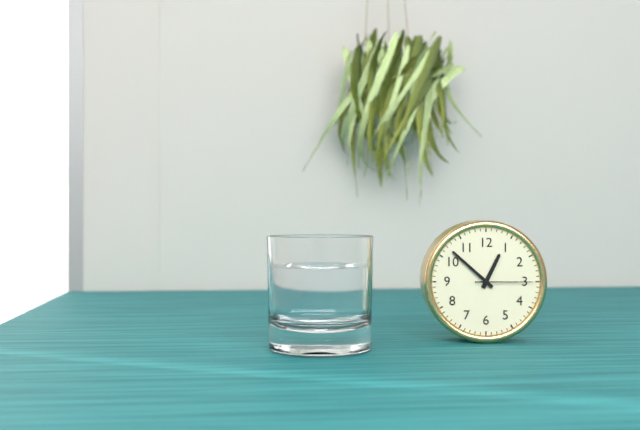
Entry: **12:52:15**
